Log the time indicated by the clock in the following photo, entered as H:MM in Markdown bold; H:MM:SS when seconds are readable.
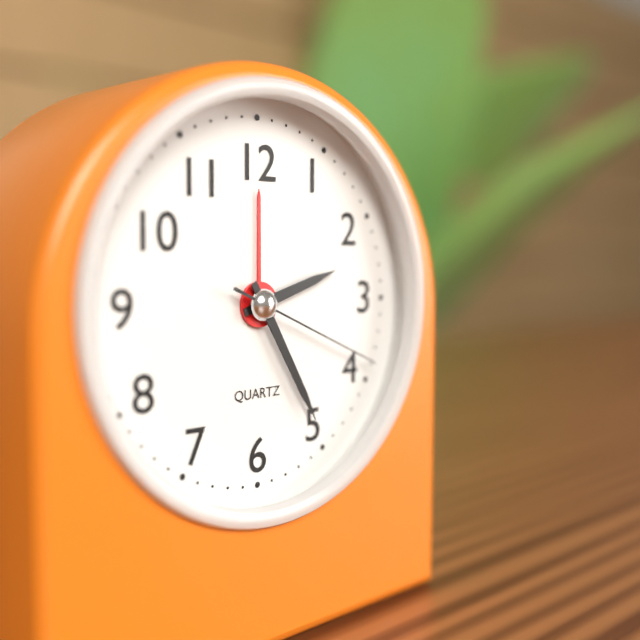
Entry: **2:25:19**
